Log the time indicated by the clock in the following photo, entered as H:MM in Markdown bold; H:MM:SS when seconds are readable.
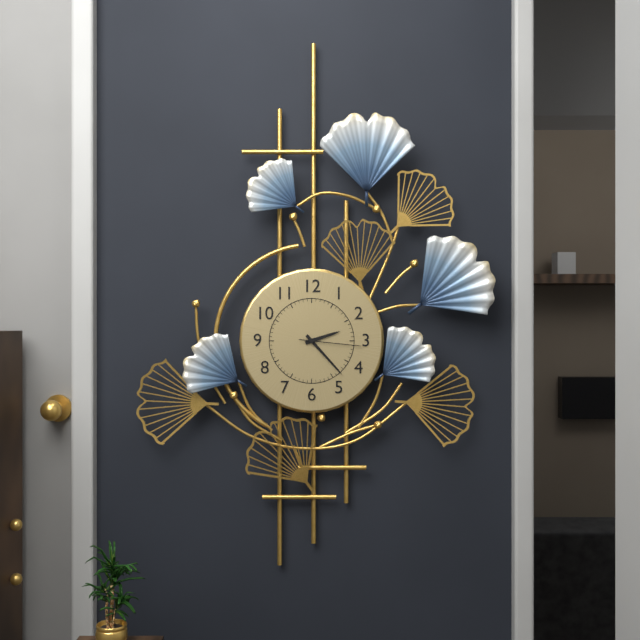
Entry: **2:23:16**
